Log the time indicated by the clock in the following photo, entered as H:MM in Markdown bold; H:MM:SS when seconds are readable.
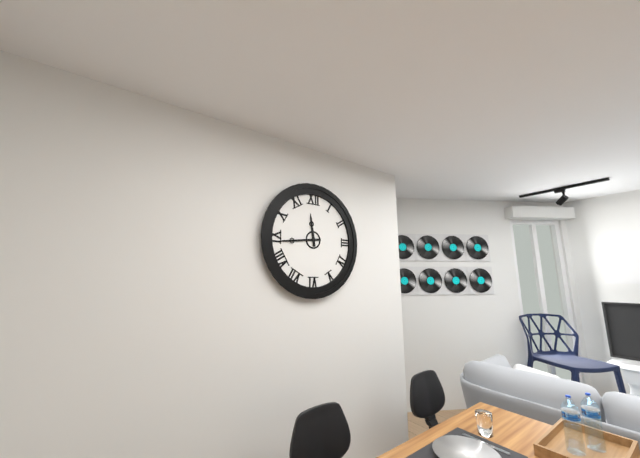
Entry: **11:44**
